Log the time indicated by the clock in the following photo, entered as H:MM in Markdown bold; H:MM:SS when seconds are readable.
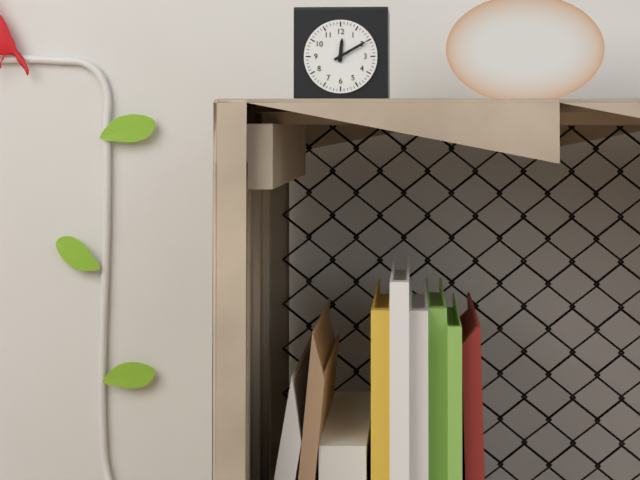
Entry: **12:10**
